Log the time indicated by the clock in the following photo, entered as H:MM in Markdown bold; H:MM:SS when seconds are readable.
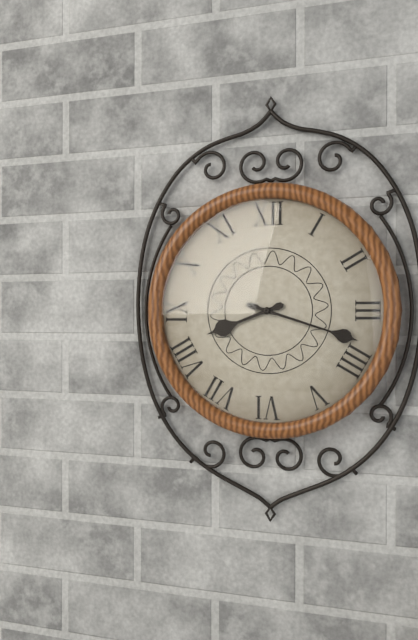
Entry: **8:18**
